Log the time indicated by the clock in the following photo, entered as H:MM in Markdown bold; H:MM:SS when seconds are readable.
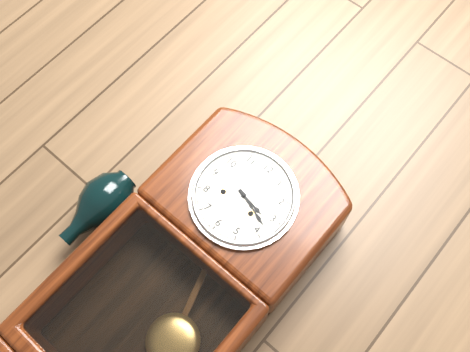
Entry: **3:18**
